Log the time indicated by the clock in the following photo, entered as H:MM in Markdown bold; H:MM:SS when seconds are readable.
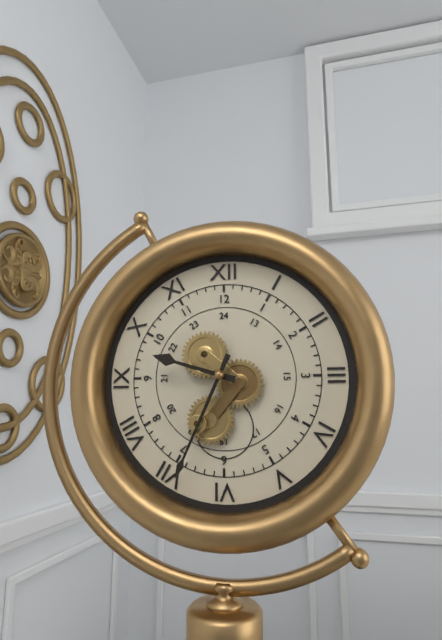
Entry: **9:34**
